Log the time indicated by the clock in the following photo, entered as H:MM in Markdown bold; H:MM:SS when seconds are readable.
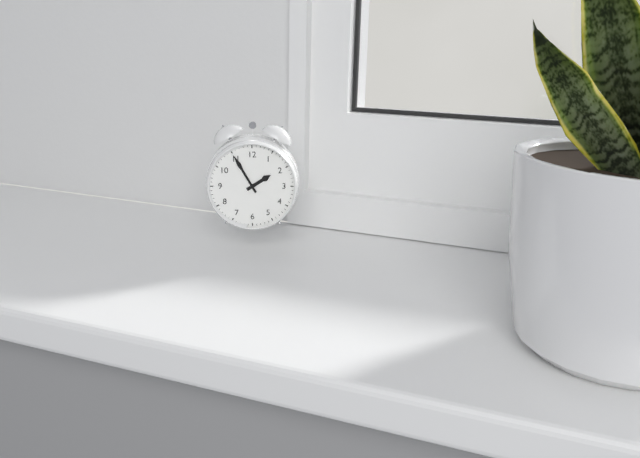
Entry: **1:55**
